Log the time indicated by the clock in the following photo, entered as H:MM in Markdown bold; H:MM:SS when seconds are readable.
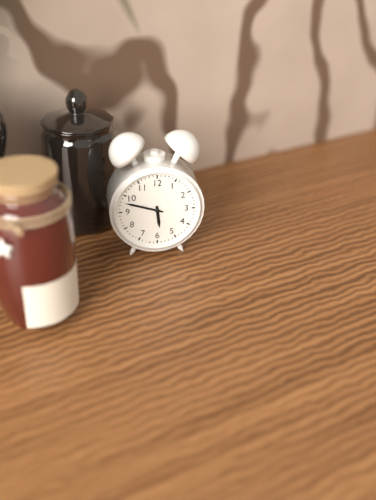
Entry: **5:48**
